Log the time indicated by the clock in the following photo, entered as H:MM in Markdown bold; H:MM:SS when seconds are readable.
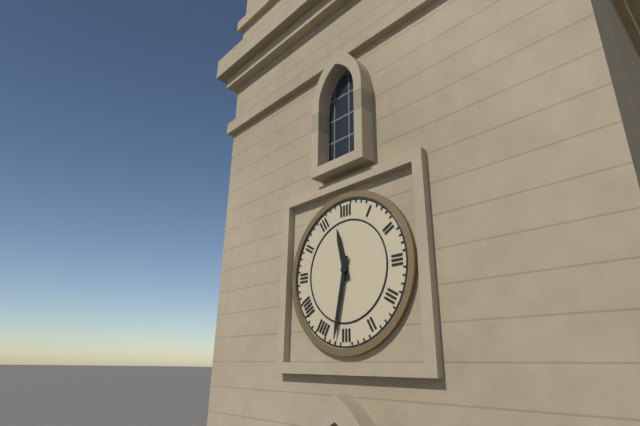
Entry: **11:32**
